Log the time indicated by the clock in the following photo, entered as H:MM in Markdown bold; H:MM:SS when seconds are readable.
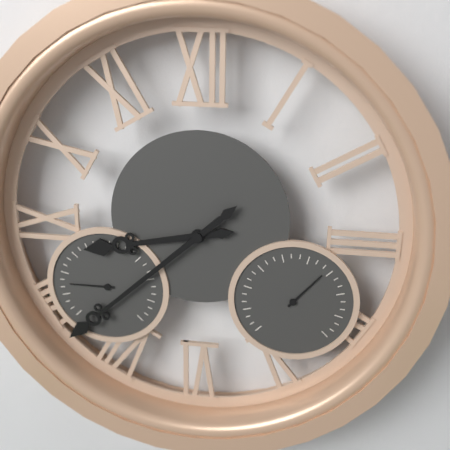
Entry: **8:38**
